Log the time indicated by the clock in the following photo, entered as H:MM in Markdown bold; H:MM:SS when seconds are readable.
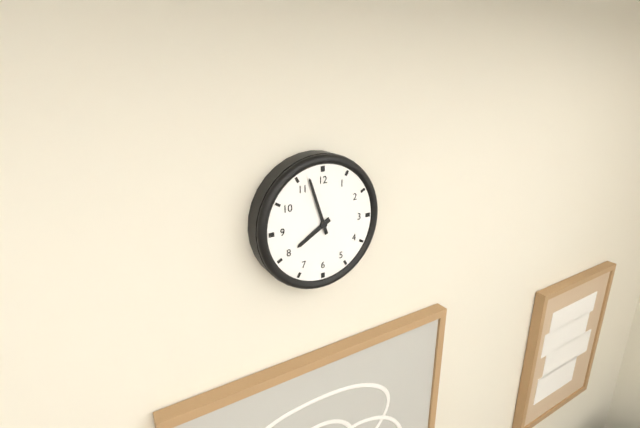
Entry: **7:57**
